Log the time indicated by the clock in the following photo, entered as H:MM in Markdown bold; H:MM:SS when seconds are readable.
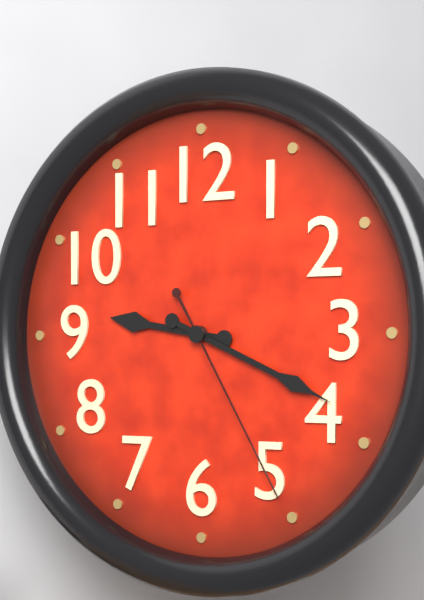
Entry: **9:19:25**
